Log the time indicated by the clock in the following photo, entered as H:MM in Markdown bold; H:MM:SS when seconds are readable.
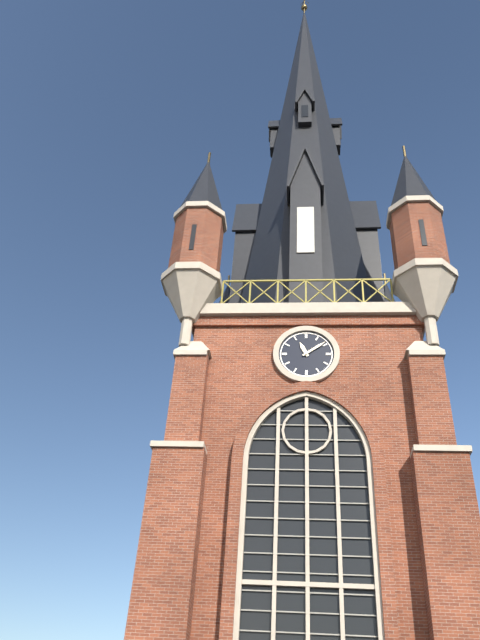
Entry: **11:09**
